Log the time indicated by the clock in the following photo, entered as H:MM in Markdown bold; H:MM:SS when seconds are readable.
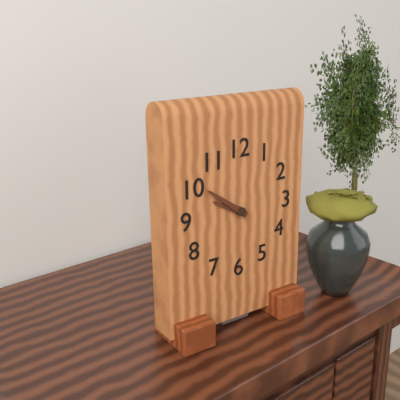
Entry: **9:51**
